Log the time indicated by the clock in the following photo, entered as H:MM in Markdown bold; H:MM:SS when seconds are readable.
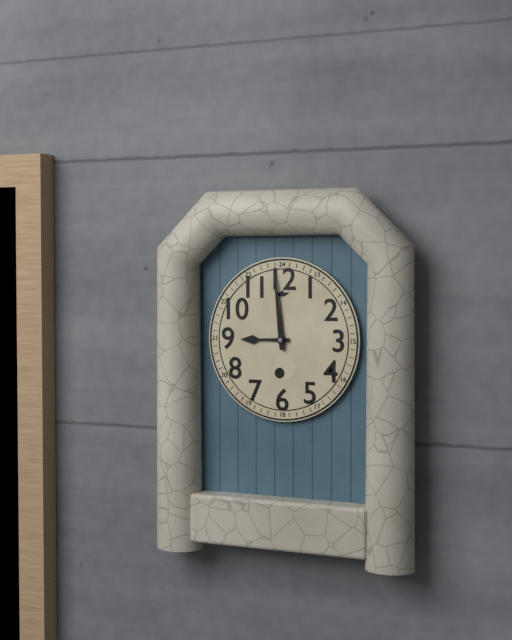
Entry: **8:59**
